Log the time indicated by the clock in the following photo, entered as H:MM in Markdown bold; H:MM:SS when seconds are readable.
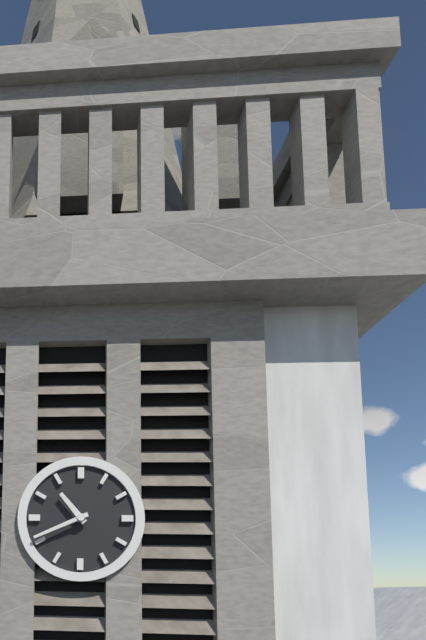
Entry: **10:41**
